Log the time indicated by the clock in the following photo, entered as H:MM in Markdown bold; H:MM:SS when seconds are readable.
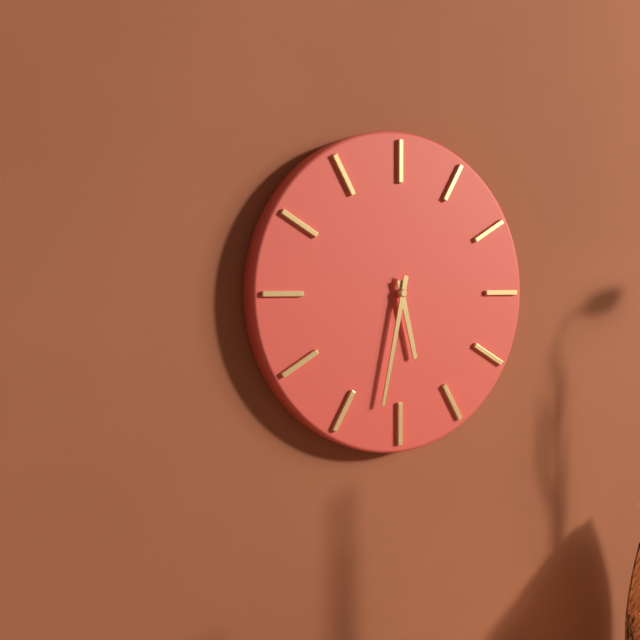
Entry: **5:32**
